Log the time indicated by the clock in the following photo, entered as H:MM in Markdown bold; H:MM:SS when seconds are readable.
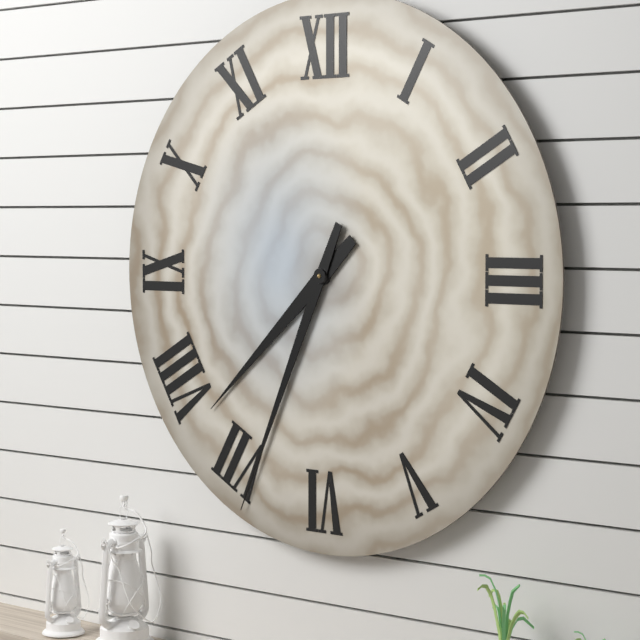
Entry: **7:34**
